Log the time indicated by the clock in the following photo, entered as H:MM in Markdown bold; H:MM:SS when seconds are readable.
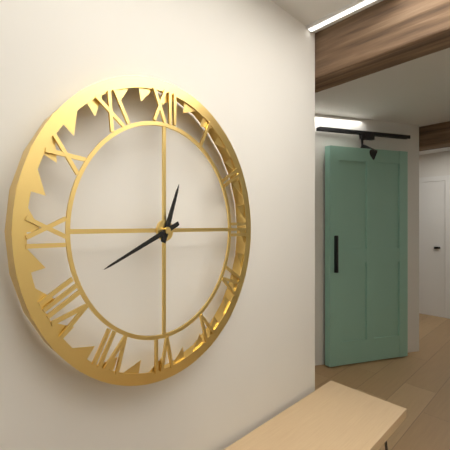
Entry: **12:41**
